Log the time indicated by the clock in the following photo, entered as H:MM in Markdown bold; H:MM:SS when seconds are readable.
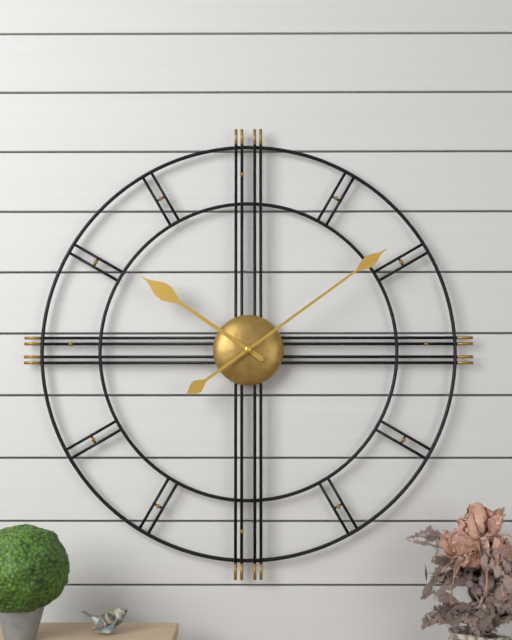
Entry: **10:09**
